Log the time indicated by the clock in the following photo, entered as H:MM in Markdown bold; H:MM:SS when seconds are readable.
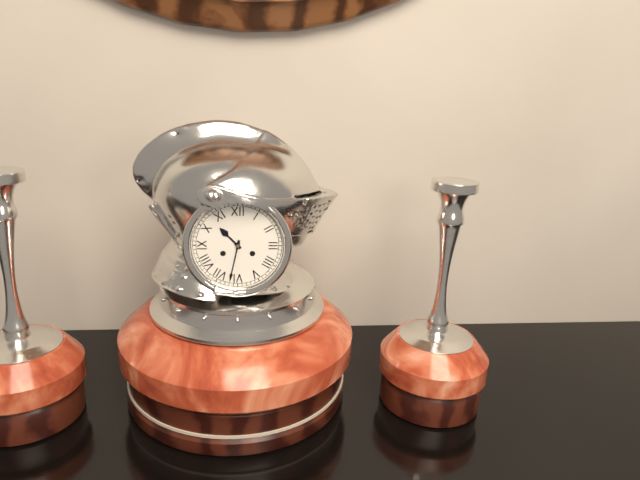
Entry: **10:32**
